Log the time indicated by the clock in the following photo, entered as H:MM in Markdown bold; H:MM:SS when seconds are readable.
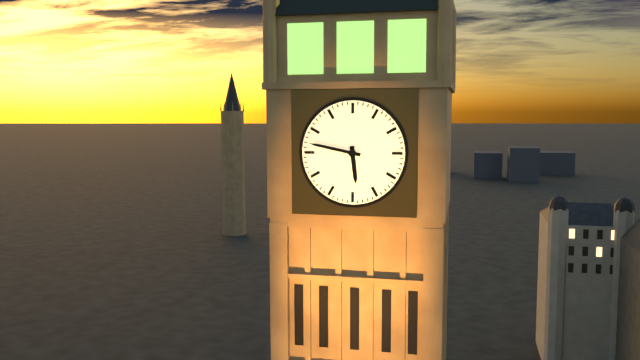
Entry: **5:47**
